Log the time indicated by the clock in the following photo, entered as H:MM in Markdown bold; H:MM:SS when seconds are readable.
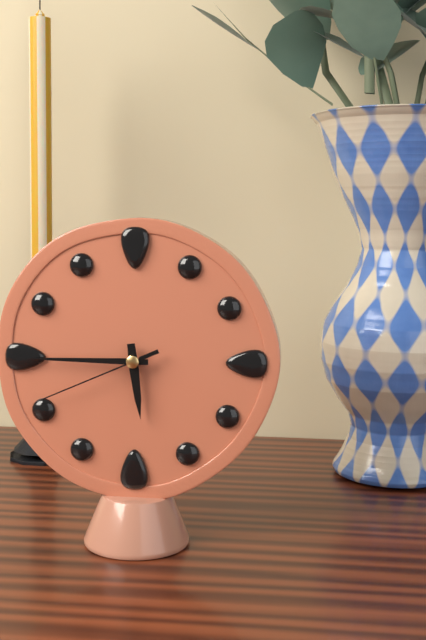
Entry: **5:45:41**
